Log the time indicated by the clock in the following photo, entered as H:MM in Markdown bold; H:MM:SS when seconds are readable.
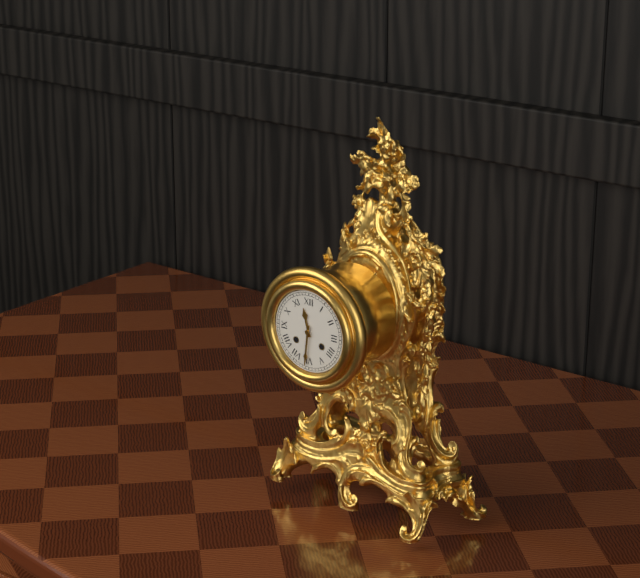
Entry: **11:31**
